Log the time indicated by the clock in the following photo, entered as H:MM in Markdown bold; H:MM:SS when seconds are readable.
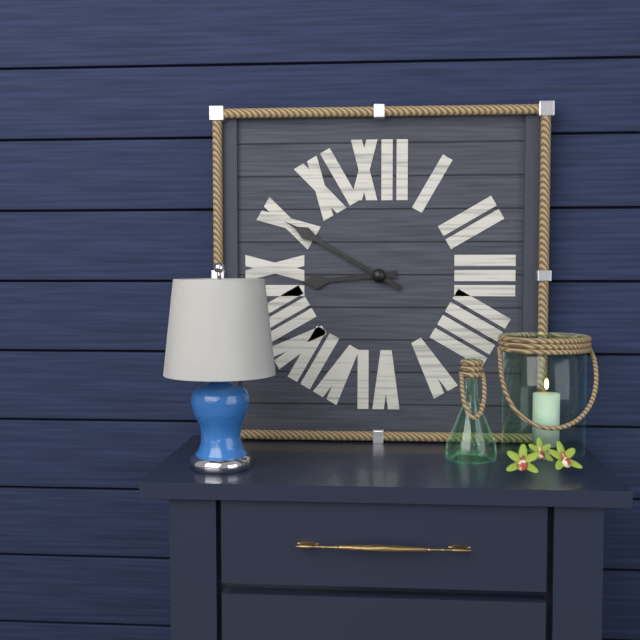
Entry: **8:50**
